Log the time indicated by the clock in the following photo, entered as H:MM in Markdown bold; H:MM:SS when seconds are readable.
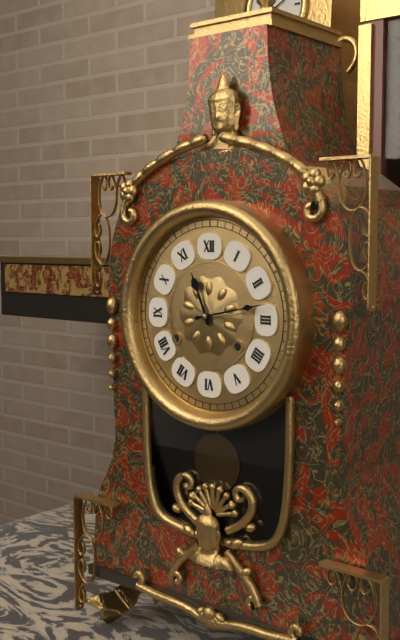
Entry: **11:13**
